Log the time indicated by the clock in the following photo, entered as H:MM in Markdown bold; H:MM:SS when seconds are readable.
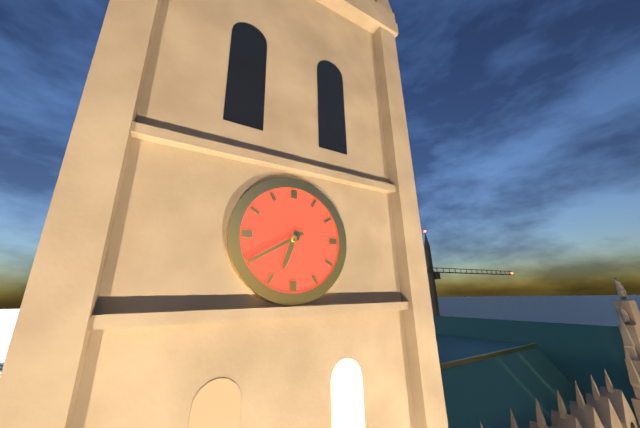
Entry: **6:40**
